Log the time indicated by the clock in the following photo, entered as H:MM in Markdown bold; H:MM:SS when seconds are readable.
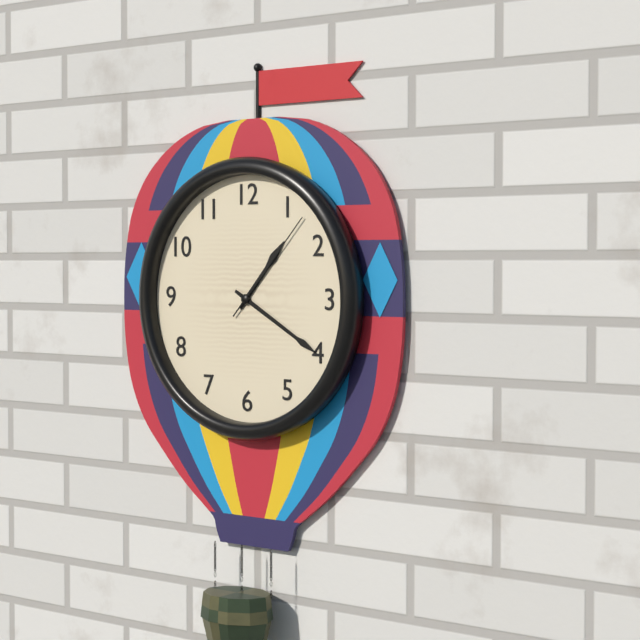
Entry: **1:20:07**
